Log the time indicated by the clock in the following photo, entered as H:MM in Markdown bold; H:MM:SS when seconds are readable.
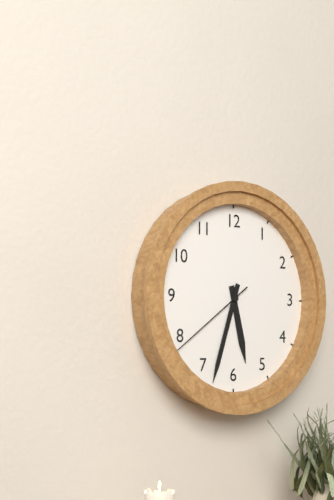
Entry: **5:33:39**
